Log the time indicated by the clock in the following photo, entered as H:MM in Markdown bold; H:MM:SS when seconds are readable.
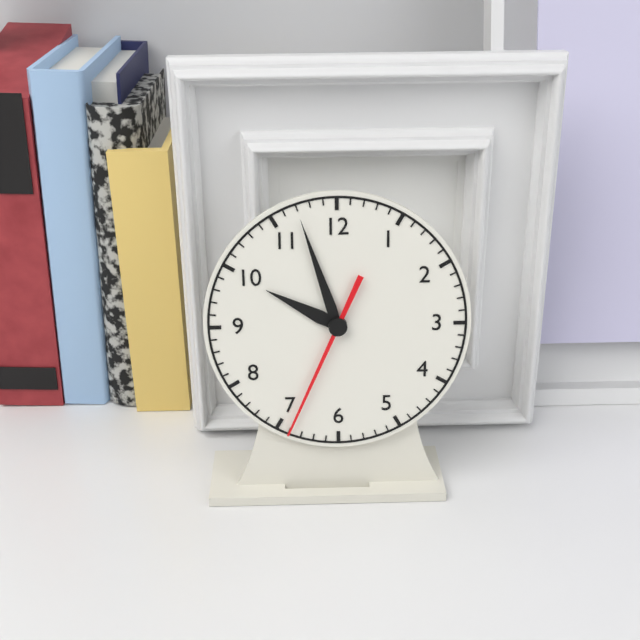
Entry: **9:57:34**
